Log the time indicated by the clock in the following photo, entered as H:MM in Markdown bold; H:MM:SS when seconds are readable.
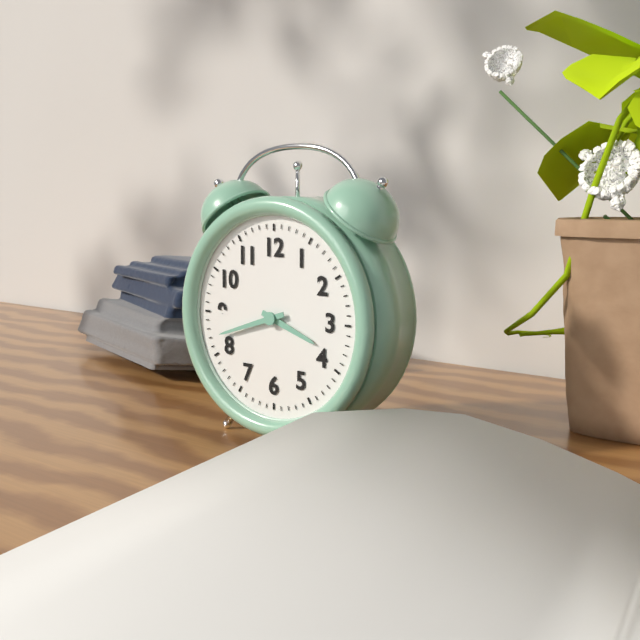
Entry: **3:42**
